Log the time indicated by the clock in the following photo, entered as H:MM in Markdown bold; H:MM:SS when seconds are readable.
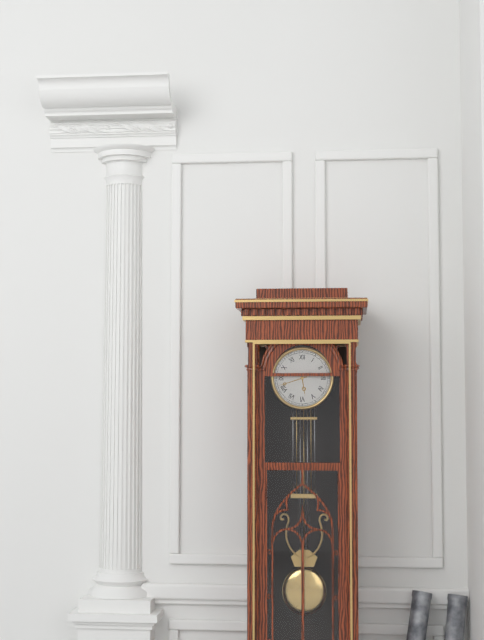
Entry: **5:42**
